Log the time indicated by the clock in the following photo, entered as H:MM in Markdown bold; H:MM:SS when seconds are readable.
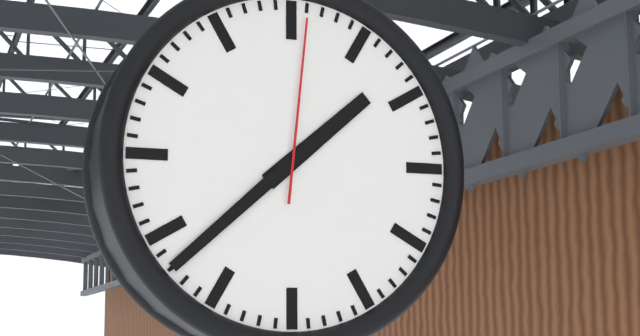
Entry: **1:38:01**
